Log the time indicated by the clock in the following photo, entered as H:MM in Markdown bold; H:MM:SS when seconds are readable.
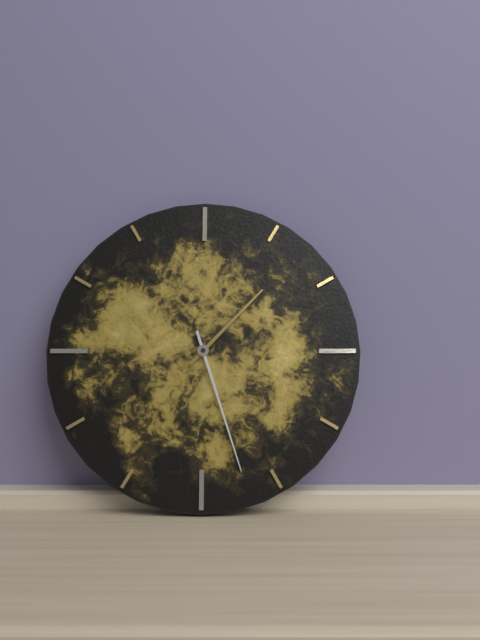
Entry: **1:27**
